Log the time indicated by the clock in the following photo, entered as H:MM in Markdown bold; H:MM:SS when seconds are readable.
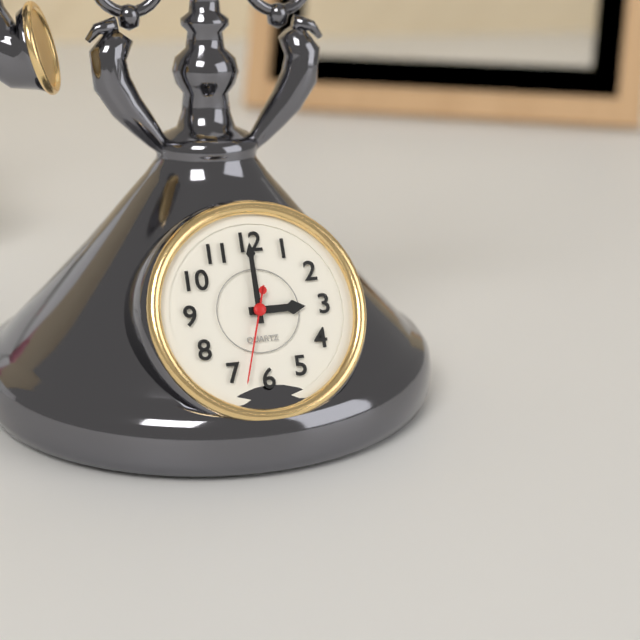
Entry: **3:00:33**
